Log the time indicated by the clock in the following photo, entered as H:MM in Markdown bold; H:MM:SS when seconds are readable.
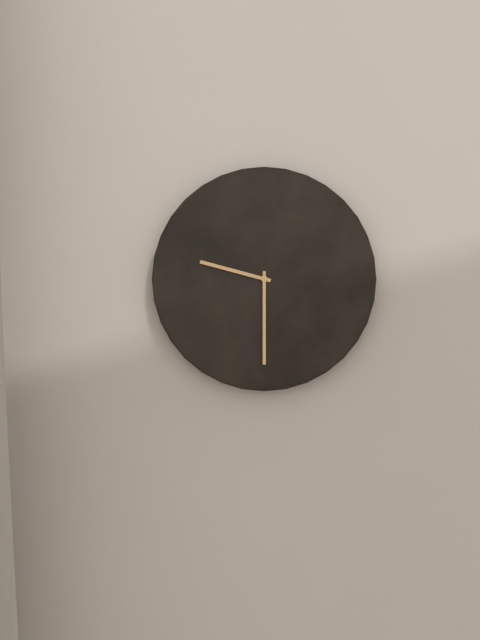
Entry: **9:30**
